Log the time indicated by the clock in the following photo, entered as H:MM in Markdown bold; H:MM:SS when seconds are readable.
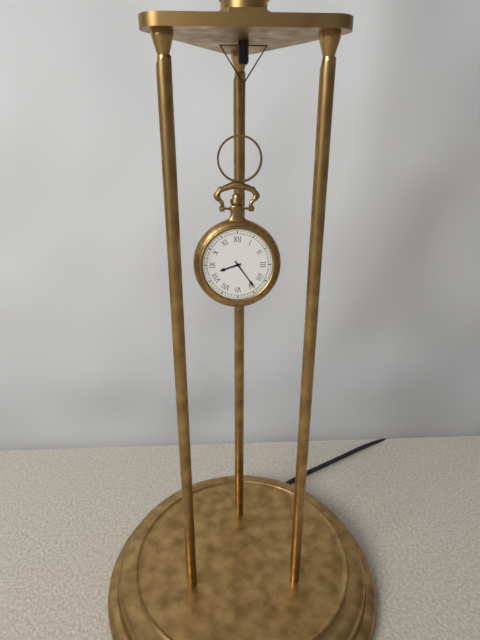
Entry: **8:24**
